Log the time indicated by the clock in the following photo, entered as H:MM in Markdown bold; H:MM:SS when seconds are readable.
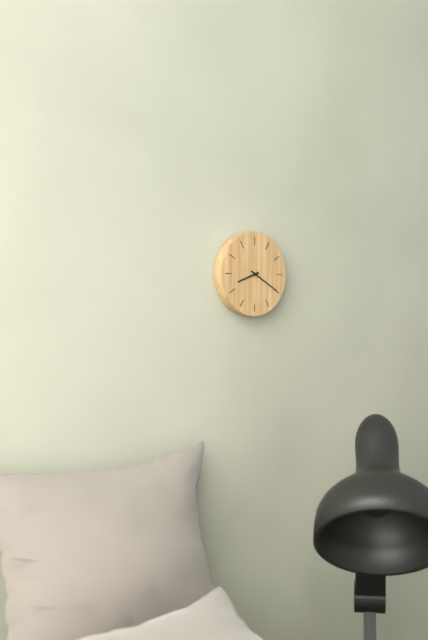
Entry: **8:20**
